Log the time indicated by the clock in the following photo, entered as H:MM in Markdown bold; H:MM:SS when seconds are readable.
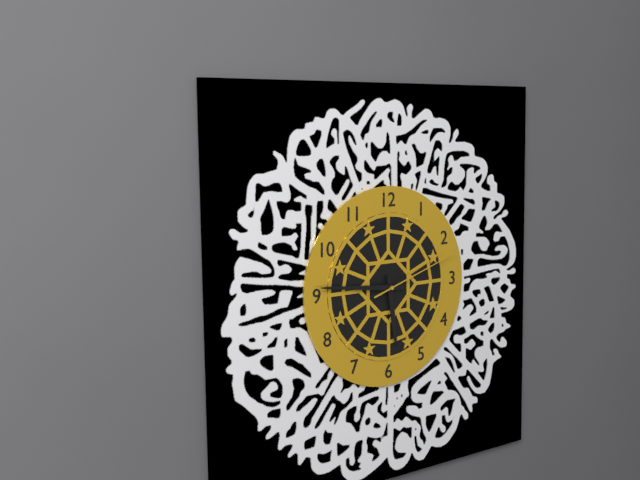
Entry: **5:46:12**
